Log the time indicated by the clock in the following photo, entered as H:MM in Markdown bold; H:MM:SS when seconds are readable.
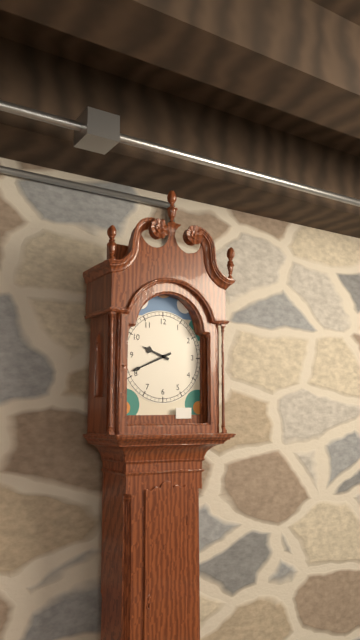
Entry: **9:41**
